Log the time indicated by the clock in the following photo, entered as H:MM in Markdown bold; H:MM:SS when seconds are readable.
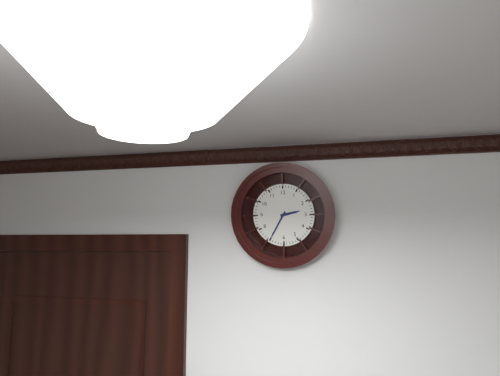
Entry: **2:35**
